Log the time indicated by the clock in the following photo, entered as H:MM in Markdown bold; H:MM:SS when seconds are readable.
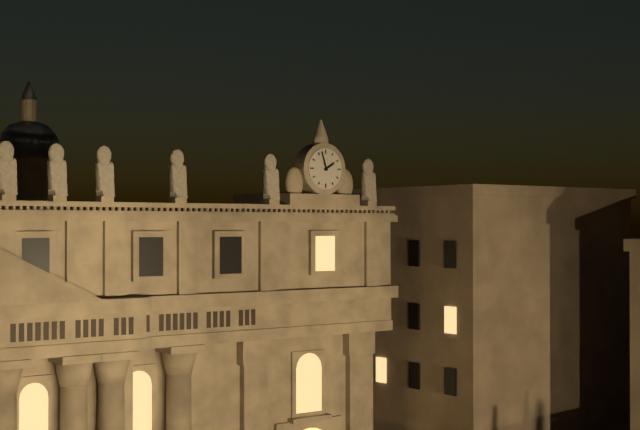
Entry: **1:57**
